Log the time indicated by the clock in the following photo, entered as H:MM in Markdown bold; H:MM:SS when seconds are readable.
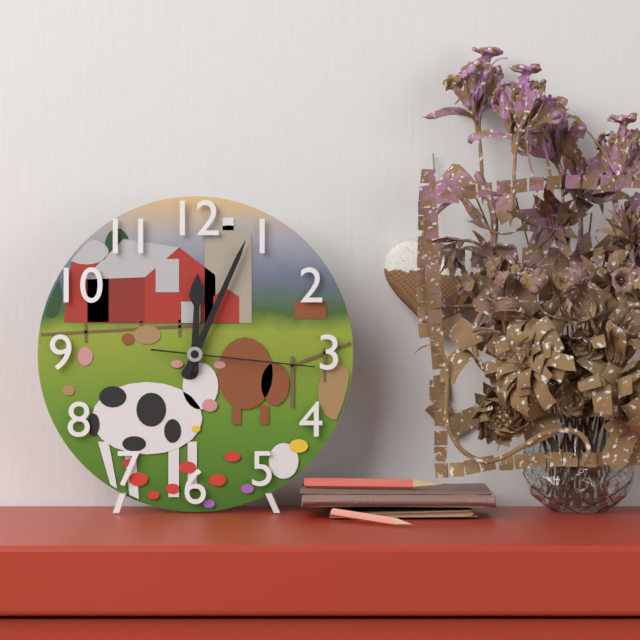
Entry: **12:04:16**
